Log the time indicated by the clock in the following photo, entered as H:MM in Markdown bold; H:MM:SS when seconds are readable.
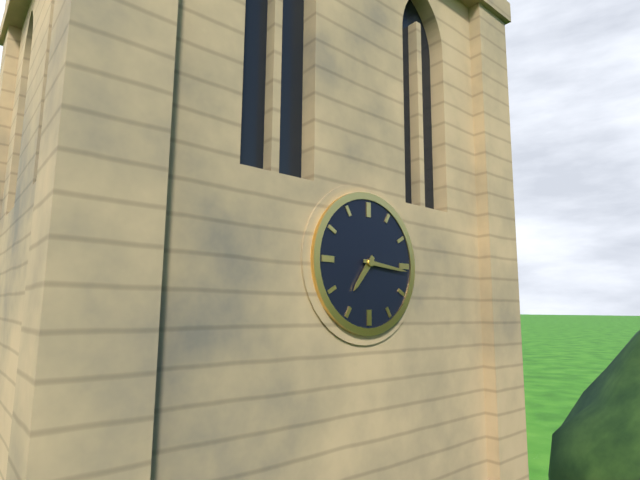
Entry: **7:16**
